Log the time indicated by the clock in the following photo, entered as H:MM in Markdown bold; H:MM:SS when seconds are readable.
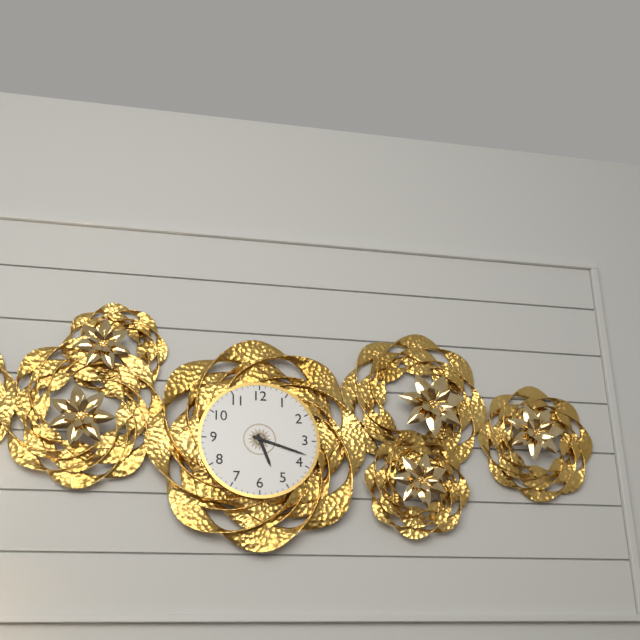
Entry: **5:18**
